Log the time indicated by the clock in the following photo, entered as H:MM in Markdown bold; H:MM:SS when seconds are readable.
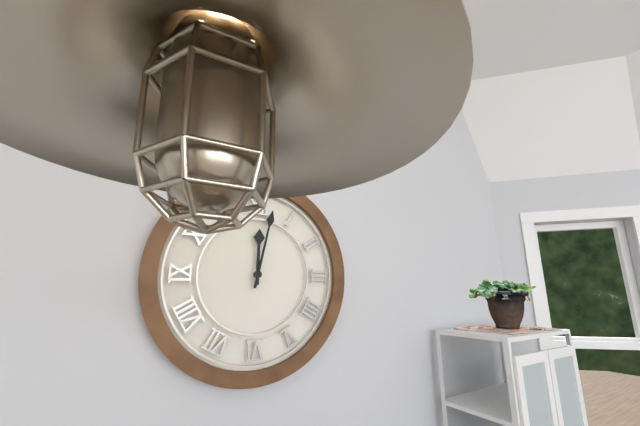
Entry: **12:02**
